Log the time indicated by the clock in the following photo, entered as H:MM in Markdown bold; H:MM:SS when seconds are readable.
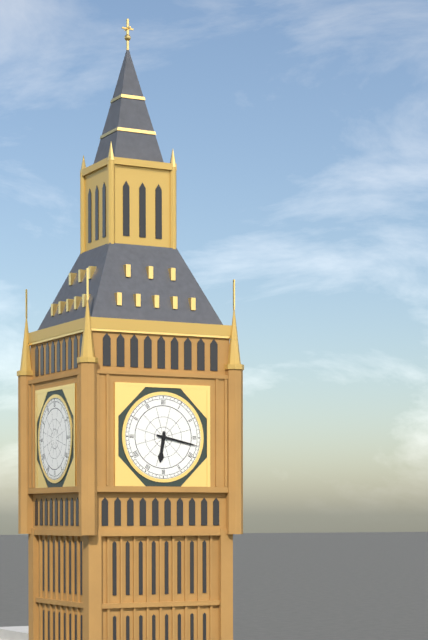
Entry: **6:17**
